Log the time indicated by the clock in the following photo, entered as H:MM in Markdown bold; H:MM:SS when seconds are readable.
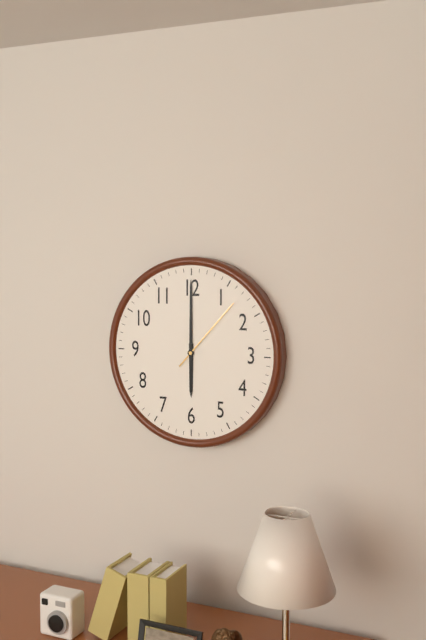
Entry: **6:00:07**
